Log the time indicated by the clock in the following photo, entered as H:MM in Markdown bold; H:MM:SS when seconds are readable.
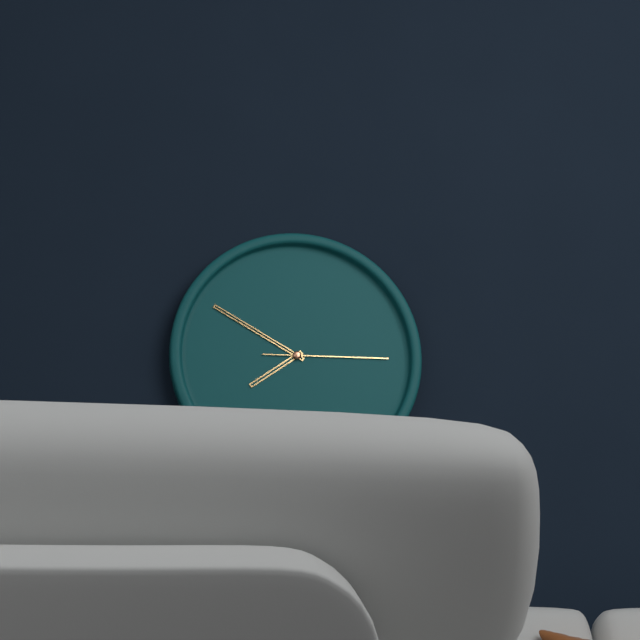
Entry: **7:50:15**
